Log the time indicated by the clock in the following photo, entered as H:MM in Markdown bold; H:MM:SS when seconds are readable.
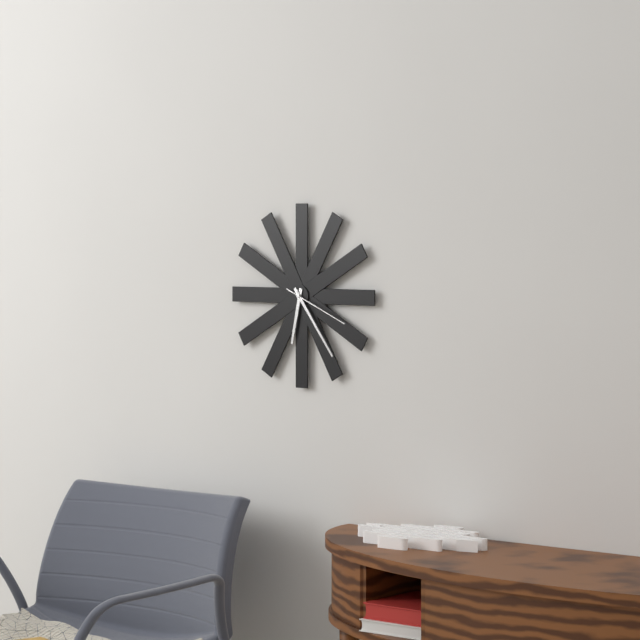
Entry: **6:24:19**
